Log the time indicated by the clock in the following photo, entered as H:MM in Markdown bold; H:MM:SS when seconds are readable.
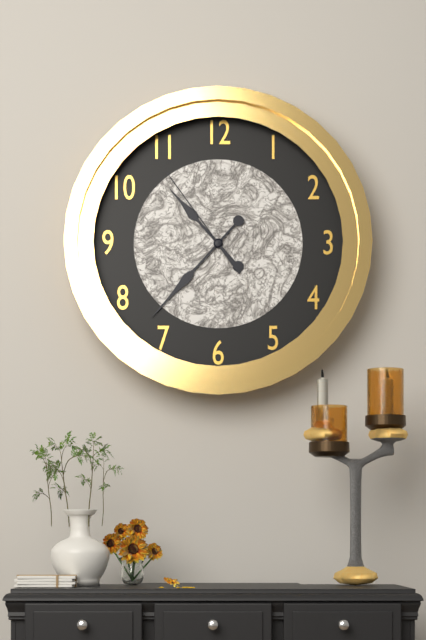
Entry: **10:37:54**
